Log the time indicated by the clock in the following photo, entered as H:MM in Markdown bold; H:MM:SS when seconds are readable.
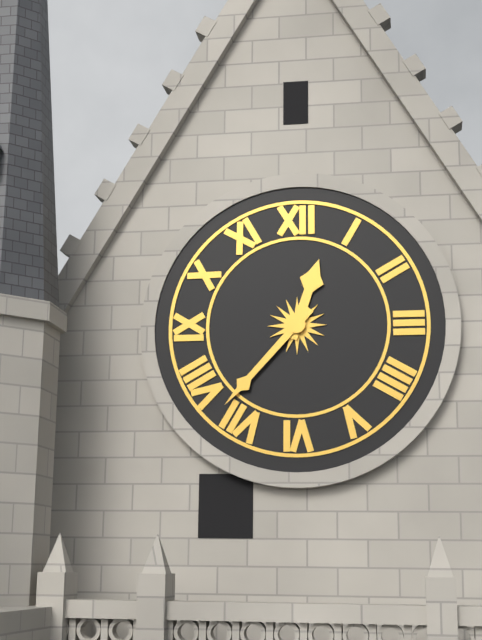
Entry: **12:37**
